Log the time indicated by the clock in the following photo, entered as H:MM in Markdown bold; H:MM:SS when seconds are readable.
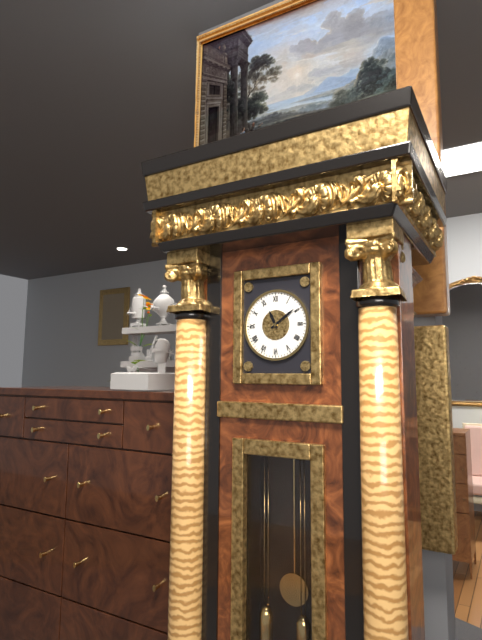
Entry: **11:09**
